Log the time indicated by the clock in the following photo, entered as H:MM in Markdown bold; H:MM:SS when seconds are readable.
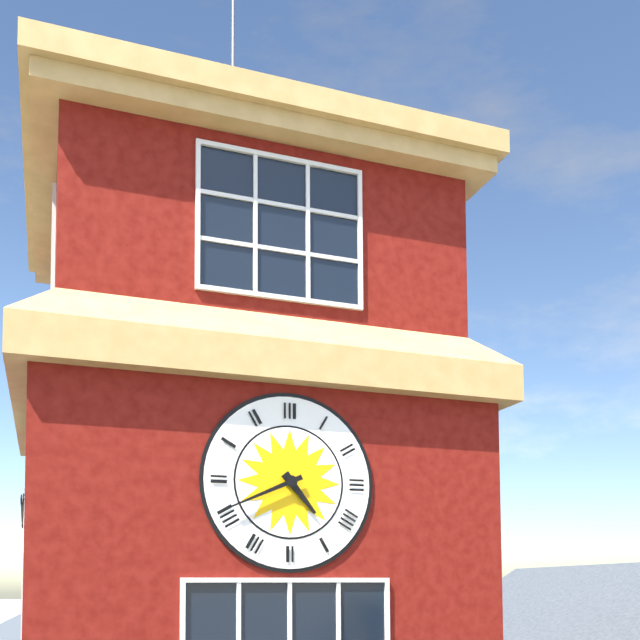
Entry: **4:41**
